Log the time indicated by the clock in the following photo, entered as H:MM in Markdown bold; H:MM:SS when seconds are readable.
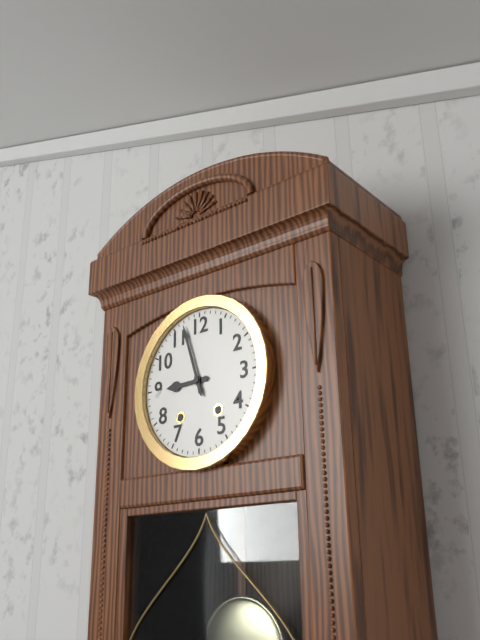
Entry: **8:57**
